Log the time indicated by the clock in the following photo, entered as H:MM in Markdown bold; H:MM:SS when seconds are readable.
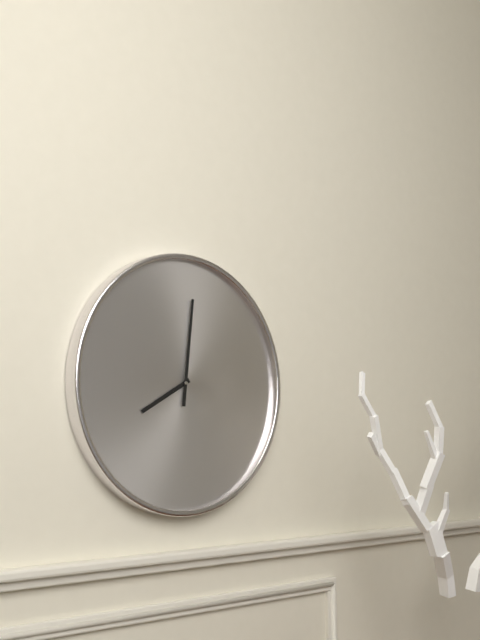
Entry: **8:01**
